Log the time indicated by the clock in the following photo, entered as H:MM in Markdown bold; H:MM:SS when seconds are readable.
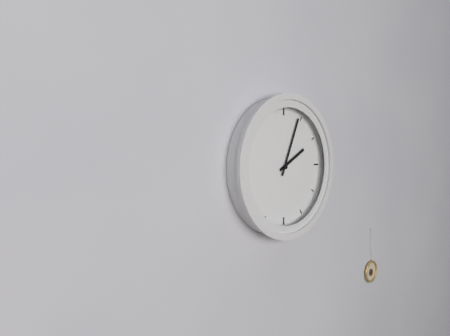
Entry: **2:04**
